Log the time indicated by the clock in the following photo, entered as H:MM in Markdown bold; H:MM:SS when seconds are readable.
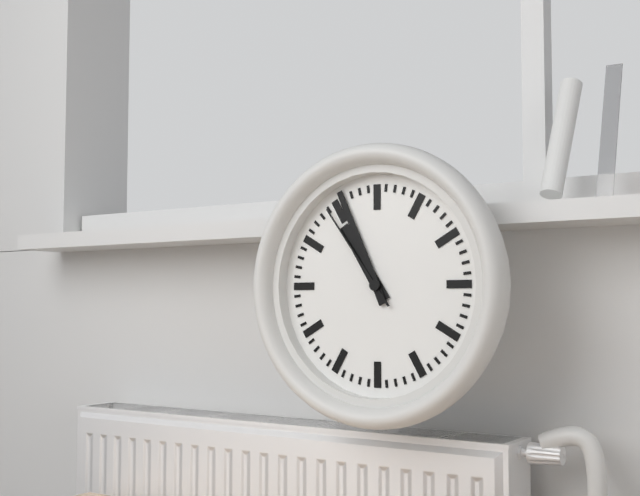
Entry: **10:56:54**
